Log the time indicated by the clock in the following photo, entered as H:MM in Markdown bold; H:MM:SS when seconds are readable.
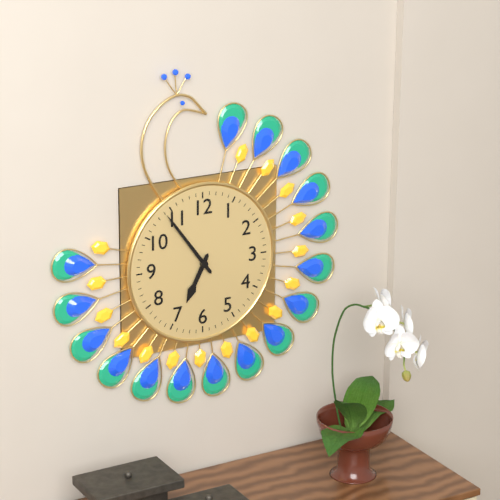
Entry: **6:54**
